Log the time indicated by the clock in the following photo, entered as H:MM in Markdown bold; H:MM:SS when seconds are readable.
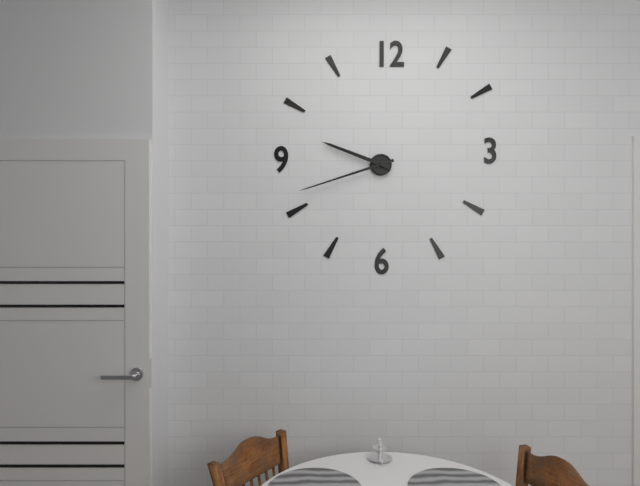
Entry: **9:42**
